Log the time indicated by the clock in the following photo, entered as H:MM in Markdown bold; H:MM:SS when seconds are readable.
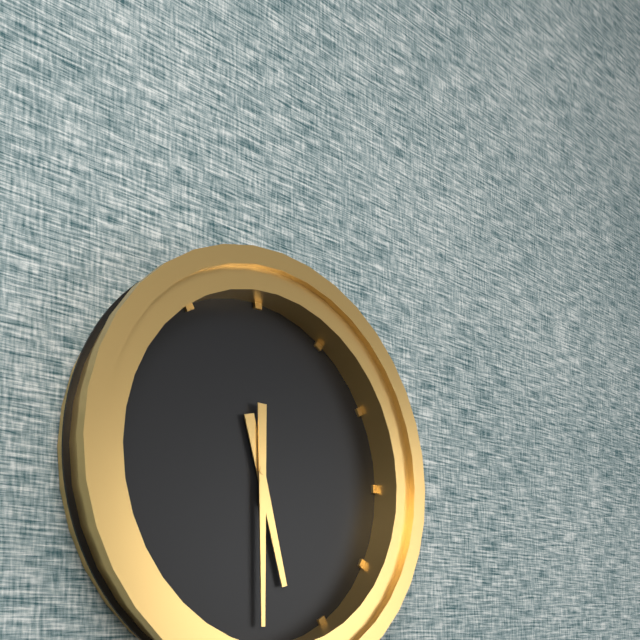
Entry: **5:30**
